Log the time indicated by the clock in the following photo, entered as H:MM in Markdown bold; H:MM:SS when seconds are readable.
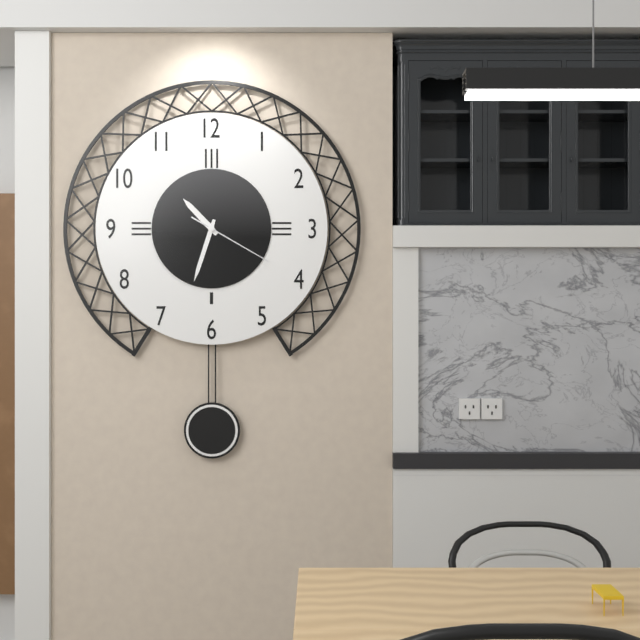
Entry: **10:33:20**
